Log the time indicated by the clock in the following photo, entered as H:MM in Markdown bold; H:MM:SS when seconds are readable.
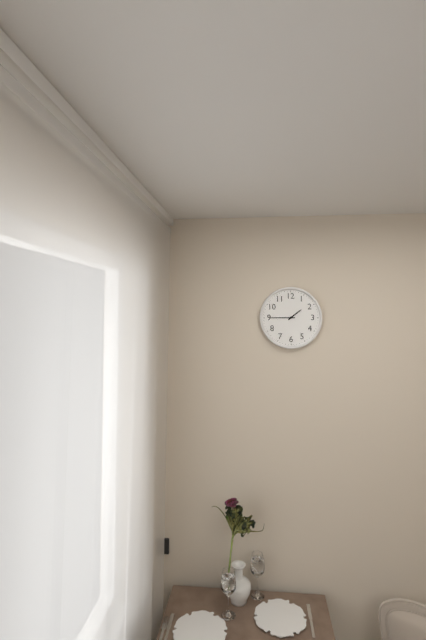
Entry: **1:45**
